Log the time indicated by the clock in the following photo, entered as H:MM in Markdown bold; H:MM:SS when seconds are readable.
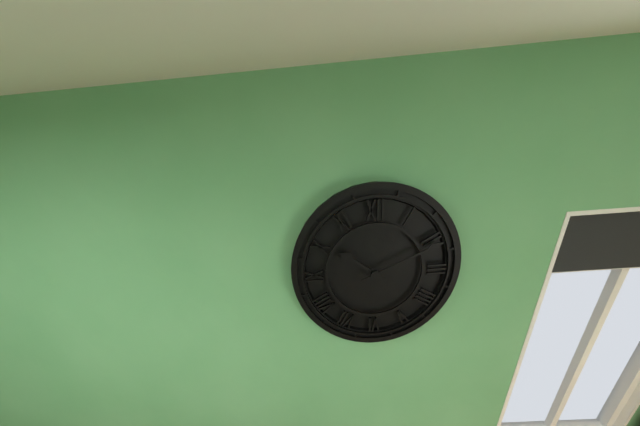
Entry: **10:11**
